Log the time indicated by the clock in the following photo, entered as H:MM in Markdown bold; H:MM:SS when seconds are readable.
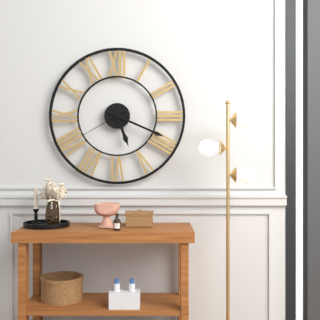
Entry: **5:19:40**
